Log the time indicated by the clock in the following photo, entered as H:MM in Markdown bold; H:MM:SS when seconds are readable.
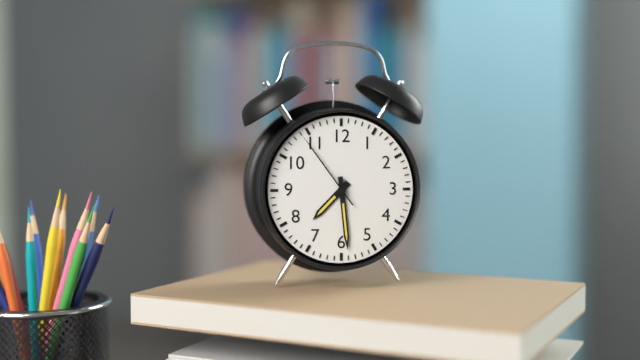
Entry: **7:29:54**
